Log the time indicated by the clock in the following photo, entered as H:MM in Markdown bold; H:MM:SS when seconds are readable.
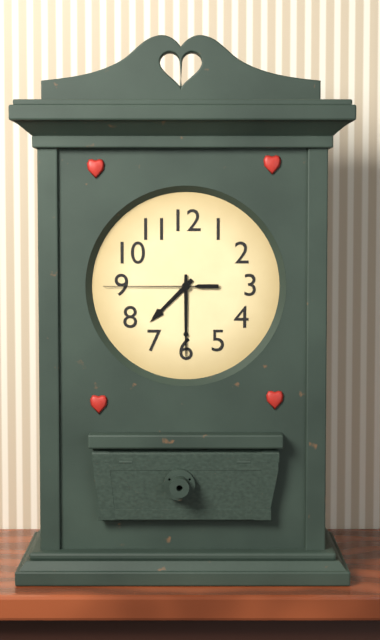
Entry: **7:30:45**
